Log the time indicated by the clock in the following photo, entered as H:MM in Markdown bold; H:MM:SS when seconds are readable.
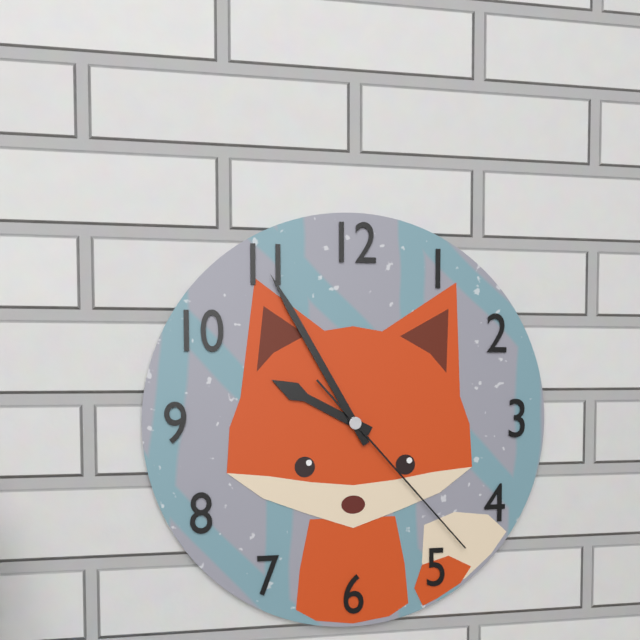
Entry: **9:55:23**
